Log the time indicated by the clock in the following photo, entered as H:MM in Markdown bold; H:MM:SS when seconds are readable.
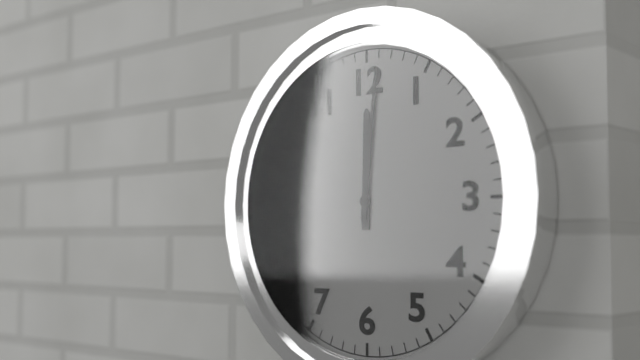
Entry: **12:01**
